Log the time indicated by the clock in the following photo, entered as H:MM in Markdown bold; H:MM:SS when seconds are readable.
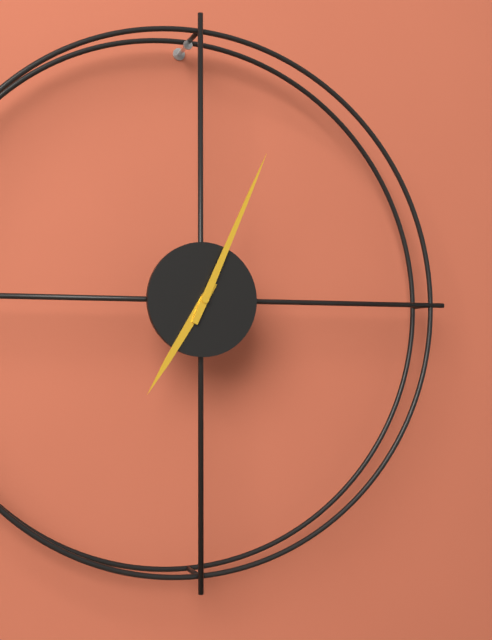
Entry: **7:04**
